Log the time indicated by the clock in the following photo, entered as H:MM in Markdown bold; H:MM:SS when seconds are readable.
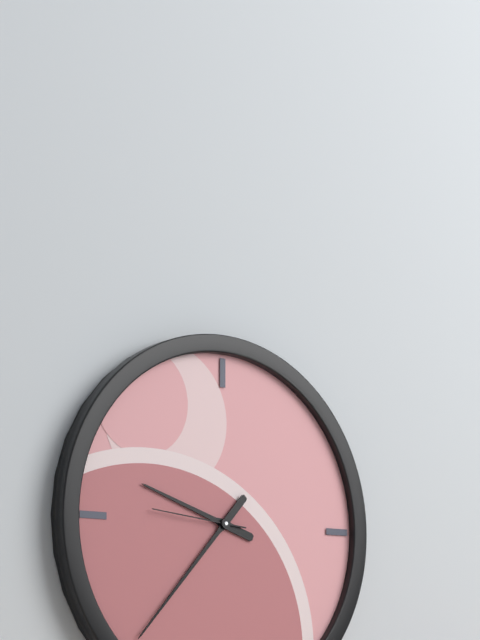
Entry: **9:37:46**
